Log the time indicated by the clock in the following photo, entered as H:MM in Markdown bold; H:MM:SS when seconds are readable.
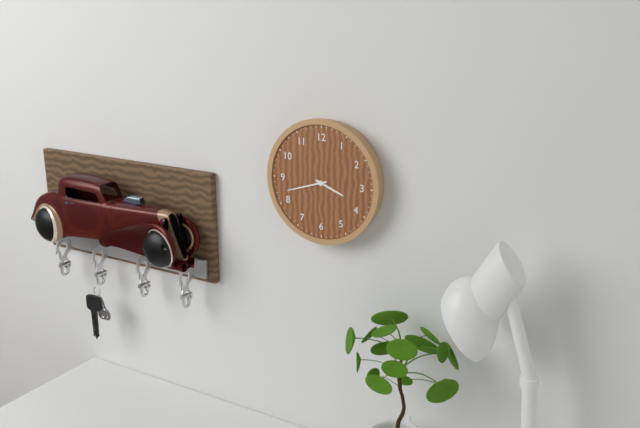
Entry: **3:42**
